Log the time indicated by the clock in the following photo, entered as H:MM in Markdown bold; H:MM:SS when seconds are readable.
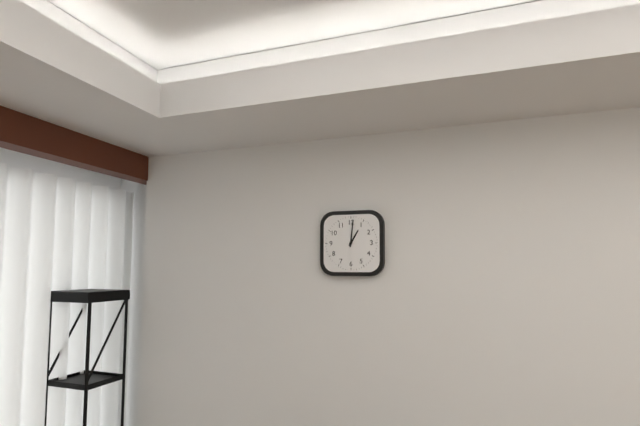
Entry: **1:01**
